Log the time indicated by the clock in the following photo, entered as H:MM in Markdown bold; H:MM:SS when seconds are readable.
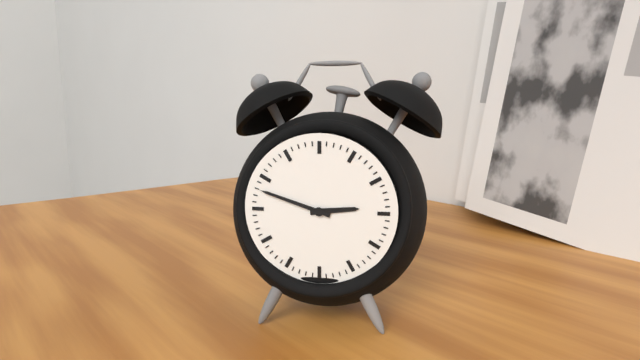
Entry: **2:48**
